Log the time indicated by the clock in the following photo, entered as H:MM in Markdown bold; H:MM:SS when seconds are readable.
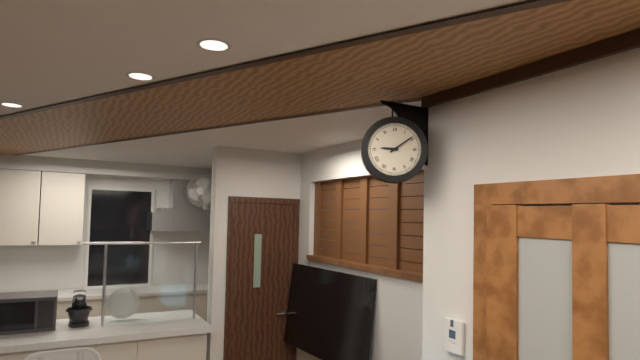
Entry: **9:09**
